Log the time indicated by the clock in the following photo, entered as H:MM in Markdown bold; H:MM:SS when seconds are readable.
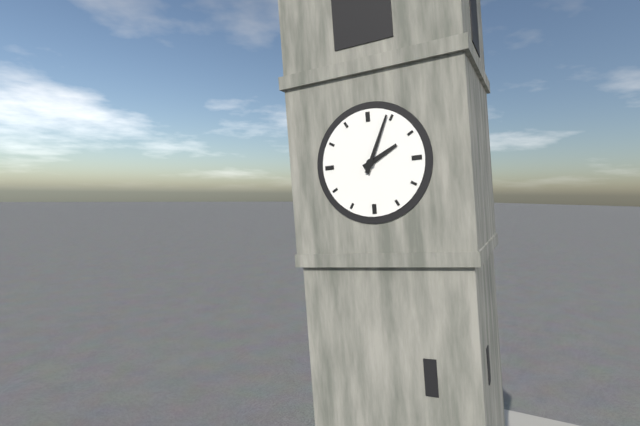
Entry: **2:04**
